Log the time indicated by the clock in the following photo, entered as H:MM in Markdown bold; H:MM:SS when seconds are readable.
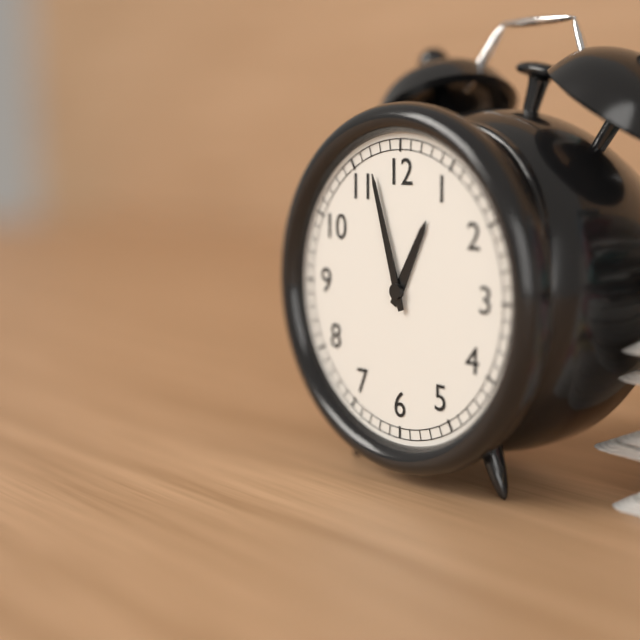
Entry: **12:57**
